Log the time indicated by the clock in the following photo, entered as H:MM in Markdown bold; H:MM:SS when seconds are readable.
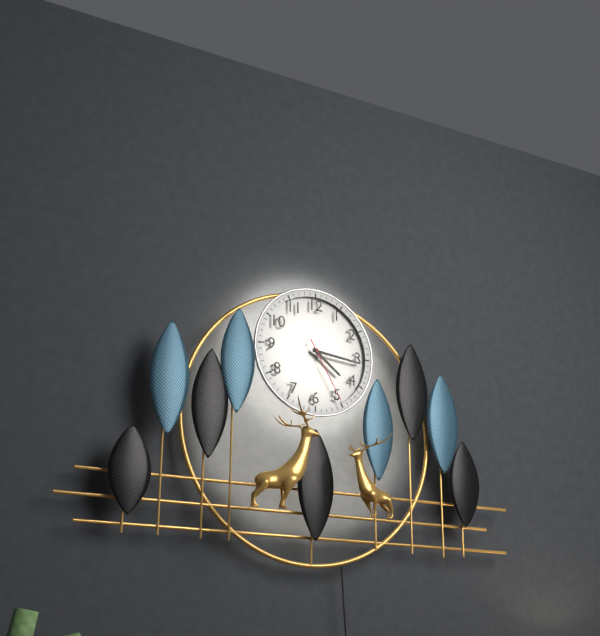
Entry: **4:16:25**
